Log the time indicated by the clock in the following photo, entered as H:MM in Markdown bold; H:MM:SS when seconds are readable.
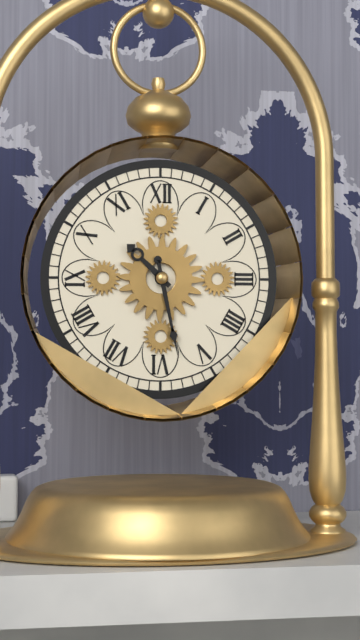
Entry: **10:28**
